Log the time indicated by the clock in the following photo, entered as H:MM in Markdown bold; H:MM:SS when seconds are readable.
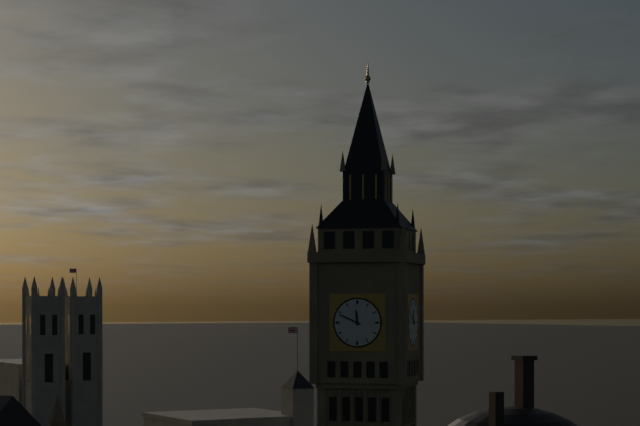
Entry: **11:49**
